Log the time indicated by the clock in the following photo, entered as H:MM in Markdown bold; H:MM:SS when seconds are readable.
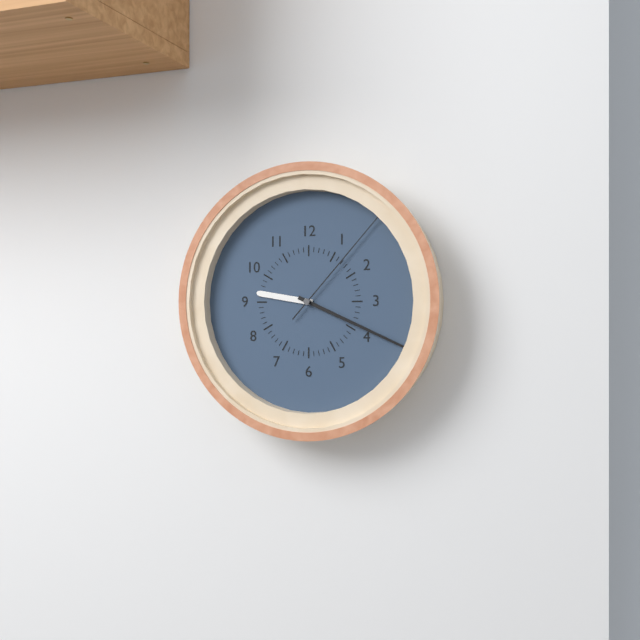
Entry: **9:19:07**
